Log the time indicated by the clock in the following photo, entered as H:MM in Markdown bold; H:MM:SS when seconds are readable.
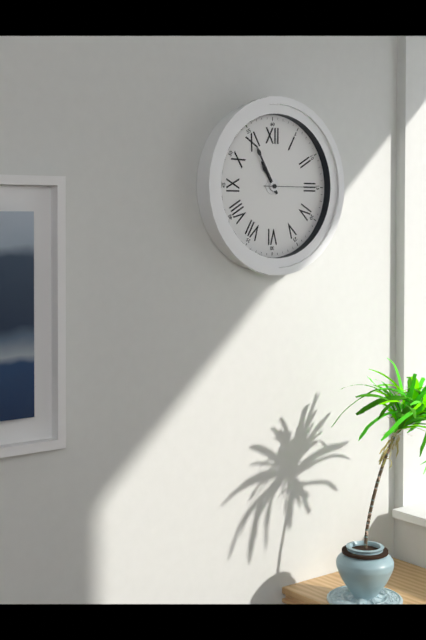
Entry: **10:55:15**
